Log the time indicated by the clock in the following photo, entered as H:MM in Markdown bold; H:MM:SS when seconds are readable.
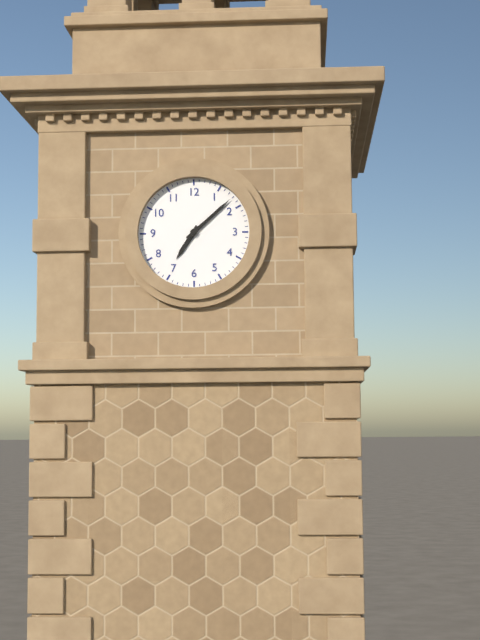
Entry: **7:08**
